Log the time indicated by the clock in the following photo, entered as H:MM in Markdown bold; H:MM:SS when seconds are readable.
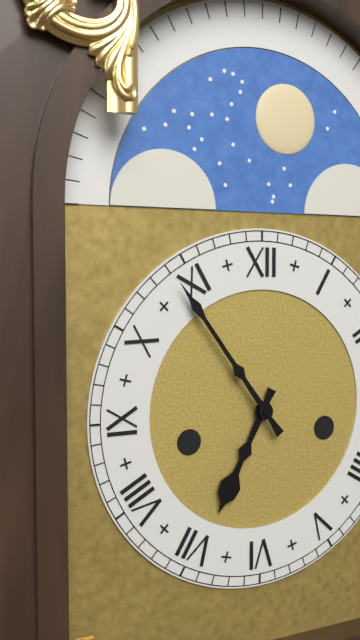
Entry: **6:54**
